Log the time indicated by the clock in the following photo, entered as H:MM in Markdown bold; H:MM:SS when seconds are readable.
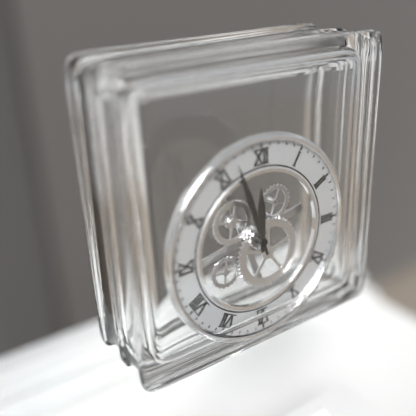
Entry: **11:57**
